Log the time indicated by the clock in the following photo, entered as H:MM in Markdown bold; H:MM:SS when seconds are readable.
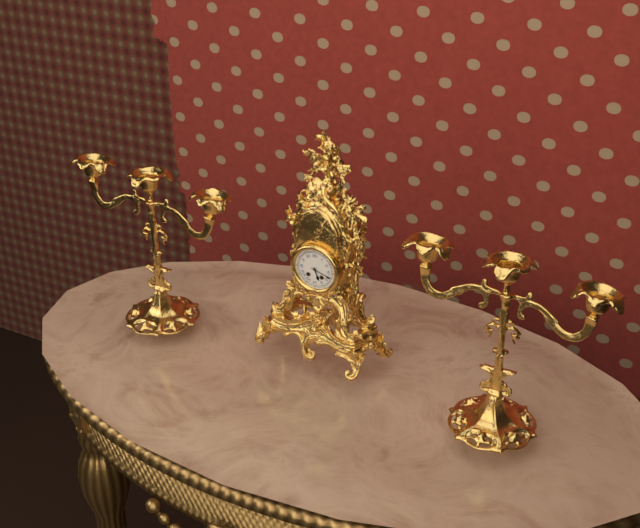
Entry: **5:18**
